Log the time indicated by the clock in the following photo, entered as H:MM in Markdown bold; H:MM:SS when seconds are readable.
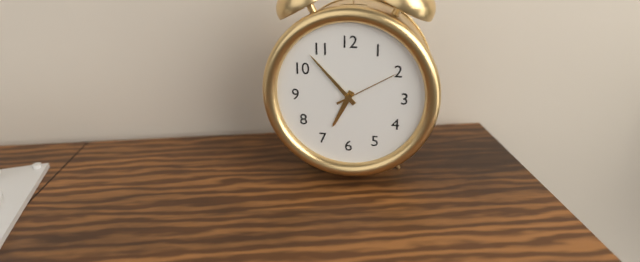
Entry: **6:53:10**
